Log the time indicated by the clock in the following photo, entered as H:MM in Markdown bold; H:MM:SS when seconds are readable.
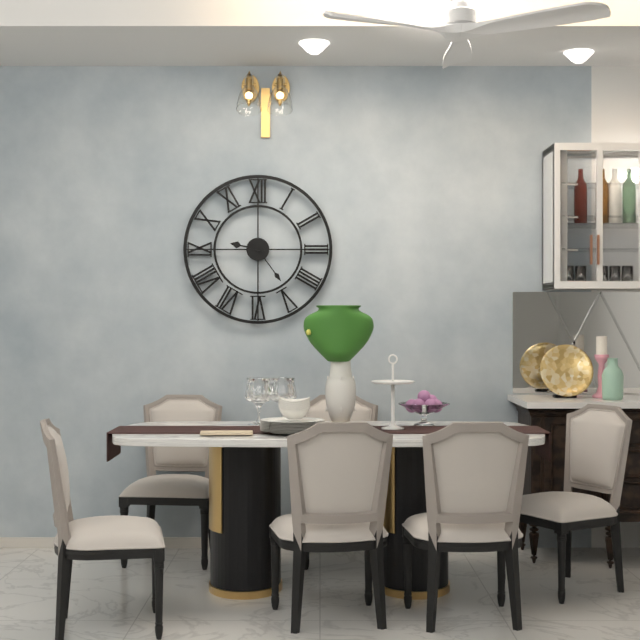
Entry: **9:24**
